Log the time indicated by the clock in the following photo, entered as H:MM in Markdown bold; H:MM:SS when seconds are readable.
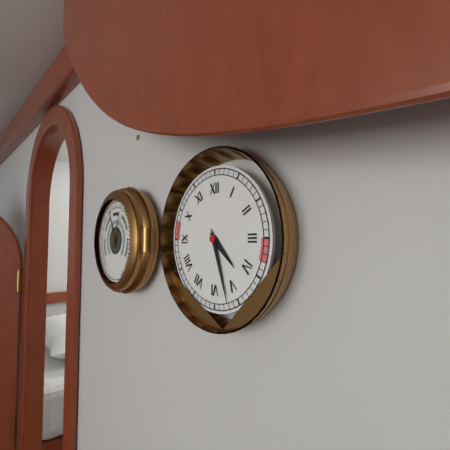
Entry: **4:27**
